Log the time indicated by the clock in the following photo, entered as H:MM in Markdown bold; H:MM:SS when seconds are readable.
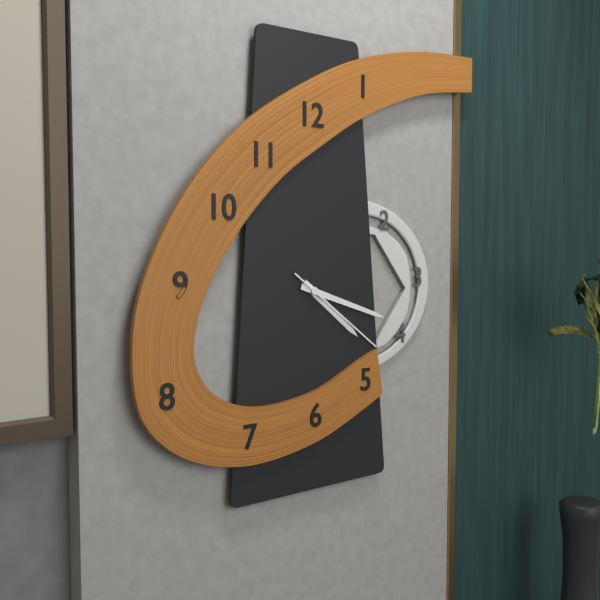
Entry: **4:18:21**
